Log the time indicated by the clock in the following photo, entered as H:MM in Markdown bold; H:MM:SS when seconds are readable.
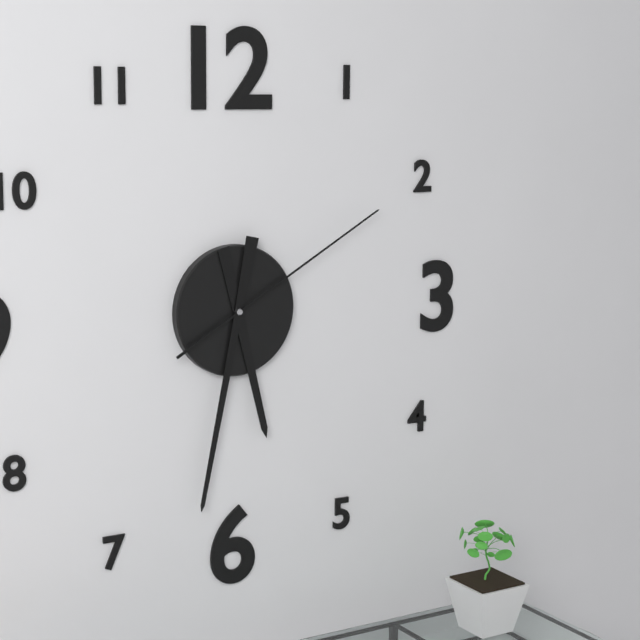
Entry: **5:32:10**
